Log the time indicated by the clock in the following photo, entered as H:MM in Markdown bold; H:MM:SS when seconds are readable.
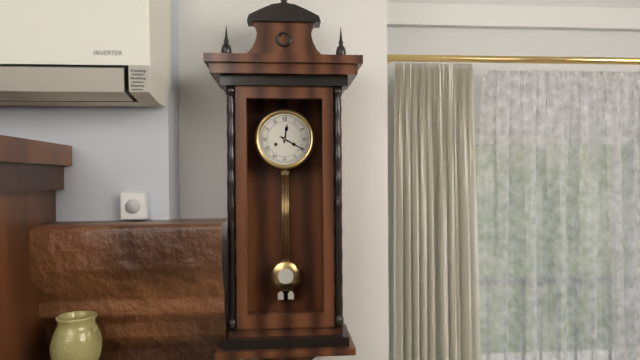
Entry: **12:20**
